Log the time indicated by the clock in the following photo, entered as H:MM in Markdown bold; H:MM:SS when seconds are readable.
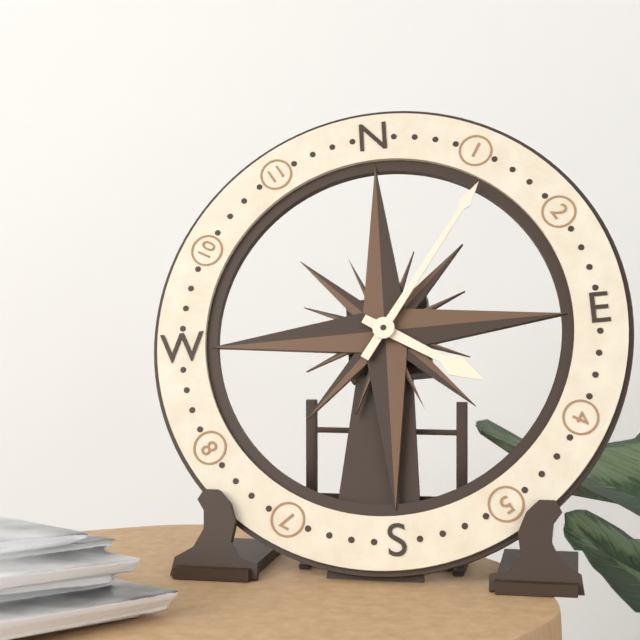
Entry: **4:06**
